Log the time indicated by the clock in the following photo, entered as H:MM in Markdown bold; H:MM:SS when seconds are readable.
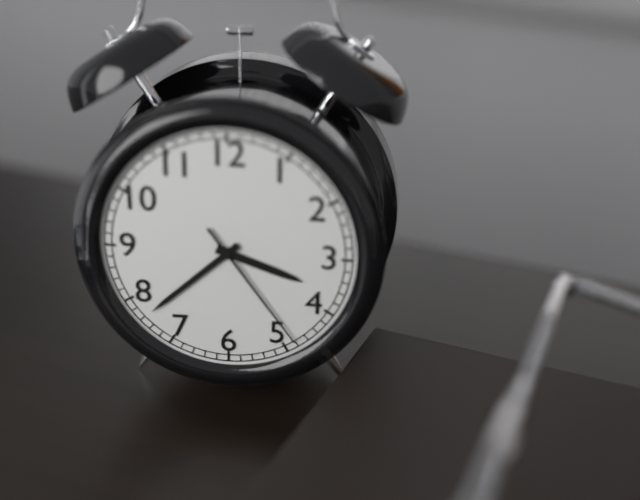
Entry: **3:38:24**
